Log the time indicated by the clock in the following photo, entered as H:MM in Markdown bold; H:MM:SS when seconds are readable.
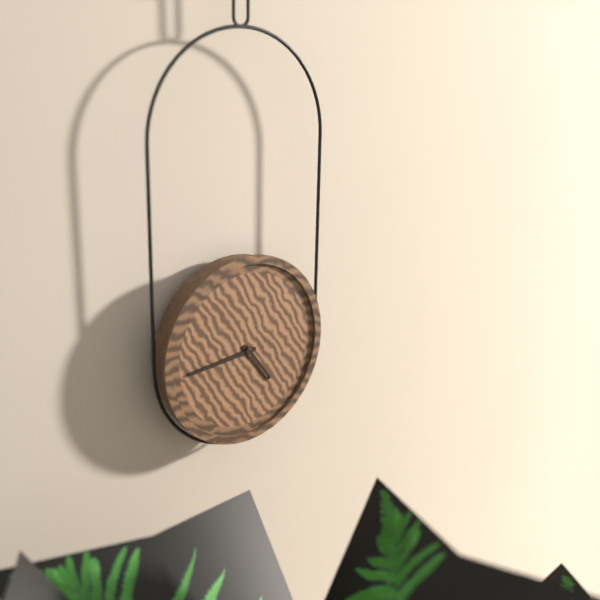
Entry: **4:44**
